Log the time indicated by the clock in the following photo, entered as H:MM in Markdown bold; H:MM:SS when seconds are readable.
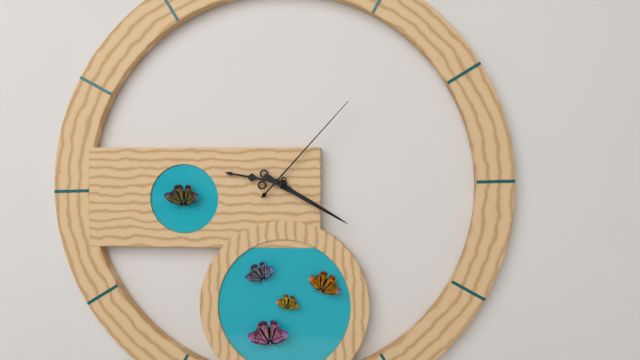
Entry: **9:20:07**
